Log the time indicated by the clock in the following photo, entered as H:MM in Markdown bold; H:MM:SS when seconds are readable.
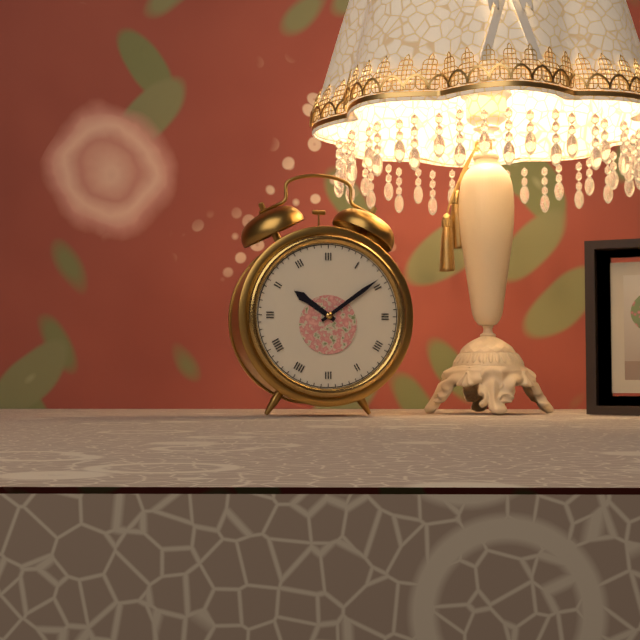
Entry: **10:09**
